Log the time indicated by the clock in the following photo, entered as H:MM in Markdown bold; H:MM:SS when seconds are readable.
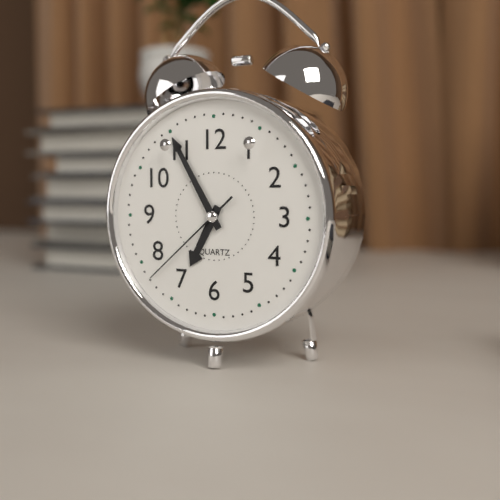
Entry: **6:55:38**
